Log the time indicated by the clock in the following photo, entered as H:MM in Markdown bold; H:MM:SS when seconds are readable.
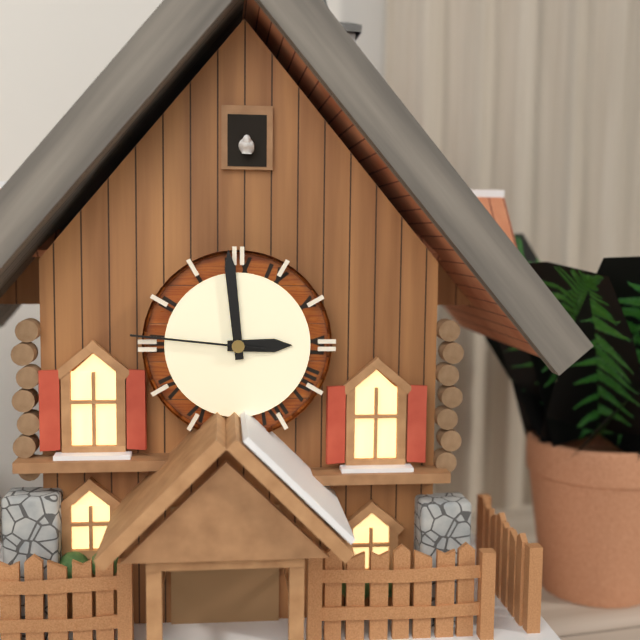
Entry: **2:59:46**
